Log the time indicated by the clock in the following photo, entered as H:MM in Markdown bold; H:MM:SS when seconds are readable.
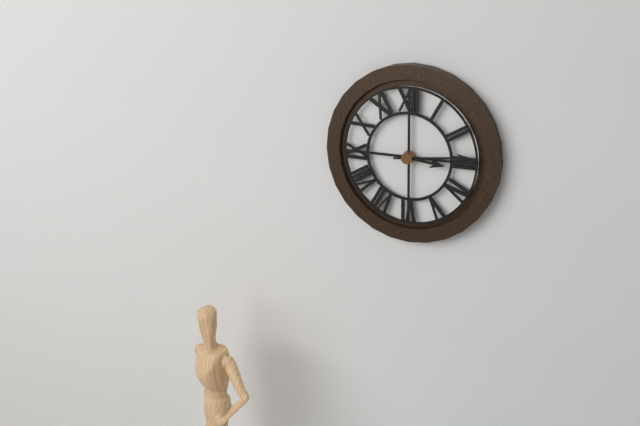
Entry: **3:14**
